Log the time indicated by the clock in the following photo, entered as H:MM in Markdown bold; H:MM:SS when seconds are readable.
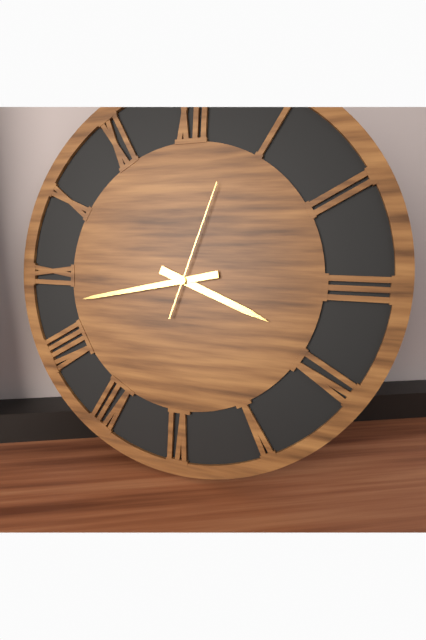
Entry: **3:43:03**
